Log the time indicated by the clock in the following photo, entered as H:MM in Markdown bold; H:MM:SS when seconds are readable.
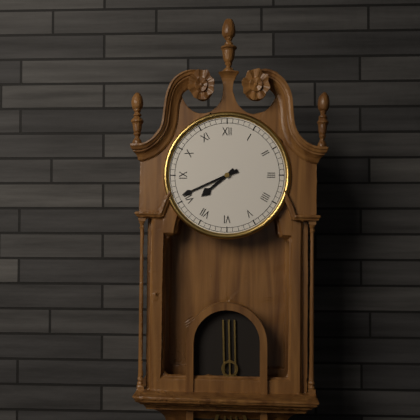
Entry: **7:41**
